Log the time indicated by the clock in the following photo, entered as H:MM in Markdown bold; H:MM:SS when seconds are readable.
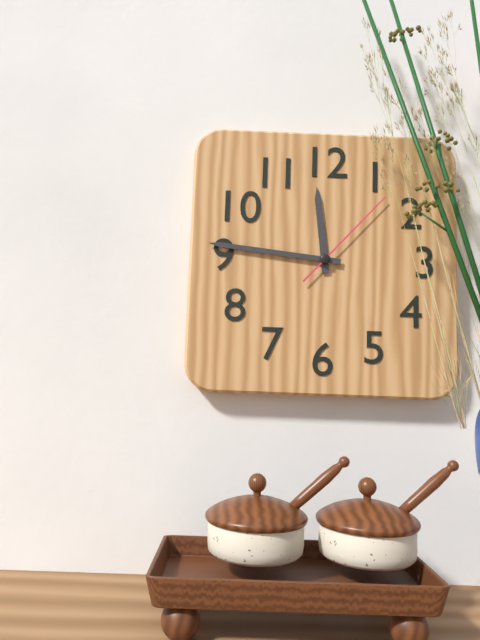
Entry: **11:46:07**
